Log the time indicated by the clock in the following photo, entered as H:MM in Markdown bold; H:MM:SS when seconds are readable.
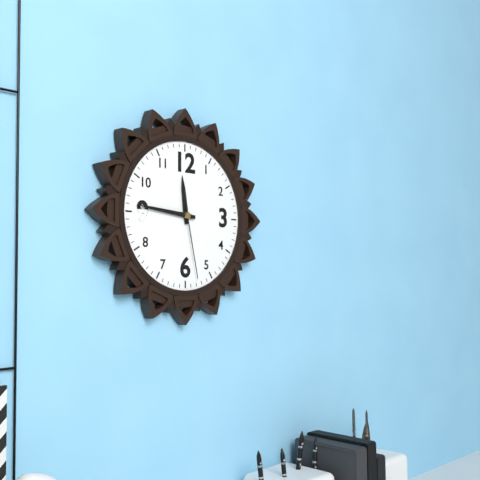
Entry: **11:46:28**
